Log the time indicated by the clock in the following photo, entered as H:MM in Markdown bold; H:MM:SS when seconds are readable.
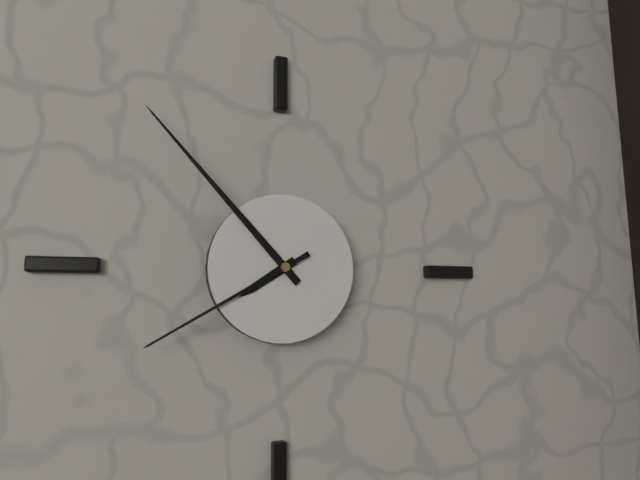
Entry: **7:53:40**
